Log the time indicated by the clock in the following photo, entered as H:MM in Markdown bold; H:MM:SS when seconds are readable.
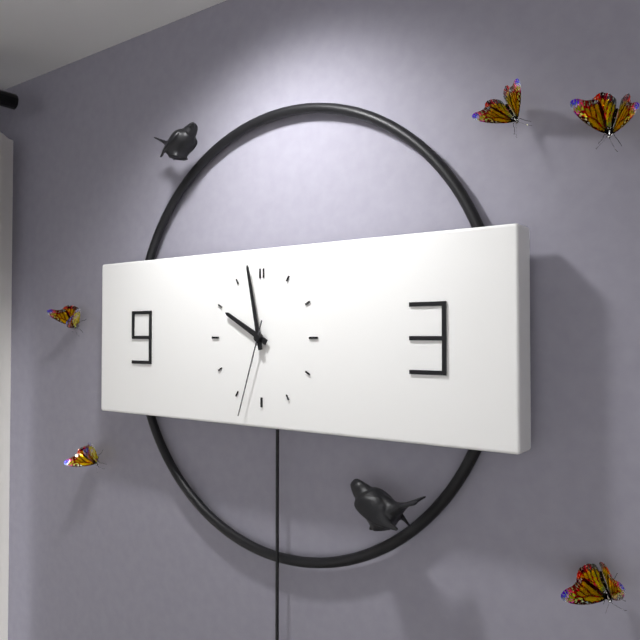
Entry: **9:58:33**
